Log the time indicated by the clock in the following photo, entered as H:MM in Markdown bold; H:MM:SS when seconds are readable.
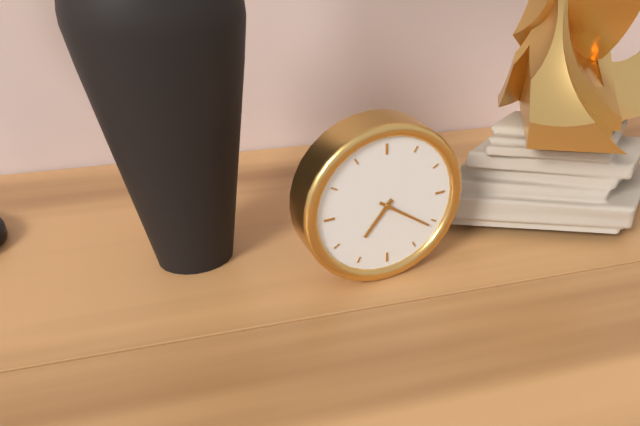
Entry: **7:21**
